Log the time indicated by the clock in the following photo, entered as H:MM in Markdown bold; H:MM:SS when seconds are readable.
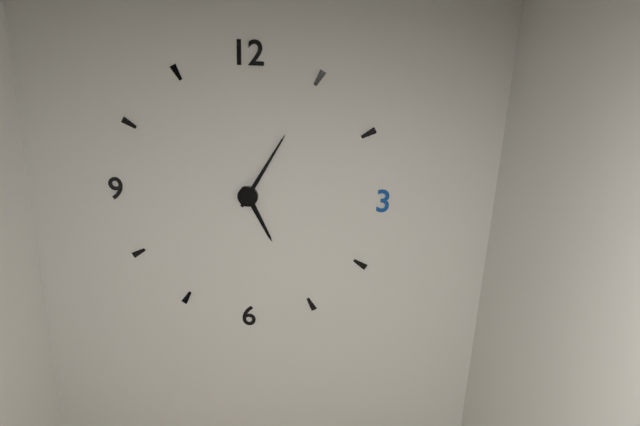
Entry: **5:05**
